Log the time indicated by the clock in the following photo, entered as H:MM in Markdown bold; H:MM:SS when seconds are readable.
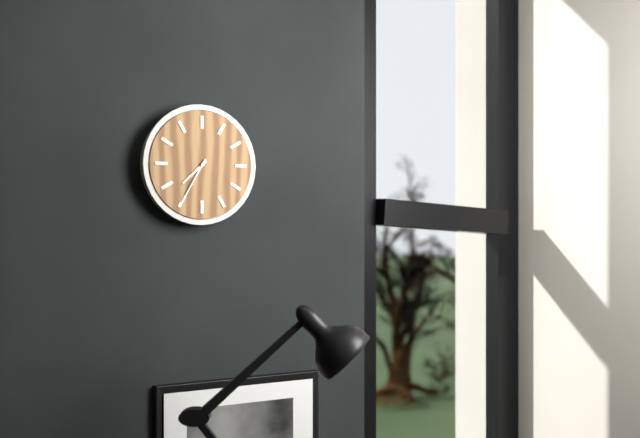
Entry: **7:35**
